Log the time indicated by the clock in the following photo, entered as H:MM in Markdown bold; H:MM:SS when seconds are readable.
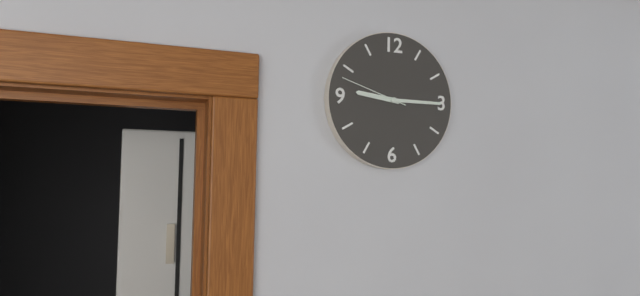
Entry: **9:15:48**
